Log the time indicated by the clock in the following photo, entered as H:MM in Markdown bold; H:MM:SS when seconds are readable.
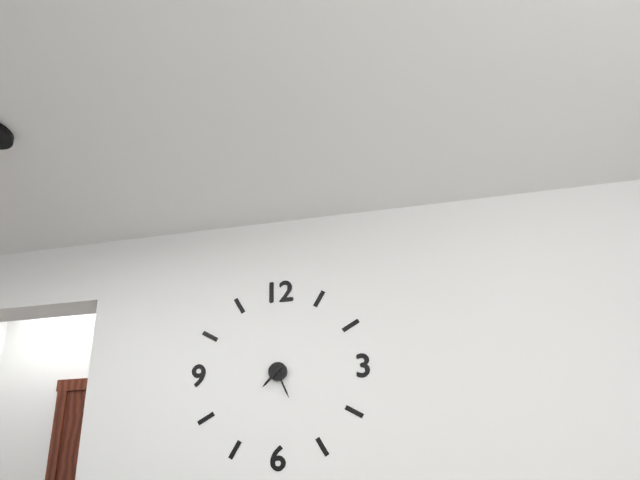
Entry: **7:26**
